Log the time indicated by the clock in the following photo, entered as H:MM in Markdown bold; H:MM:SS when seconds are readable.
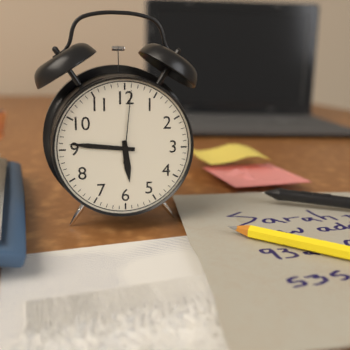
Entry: **5:46:01**
